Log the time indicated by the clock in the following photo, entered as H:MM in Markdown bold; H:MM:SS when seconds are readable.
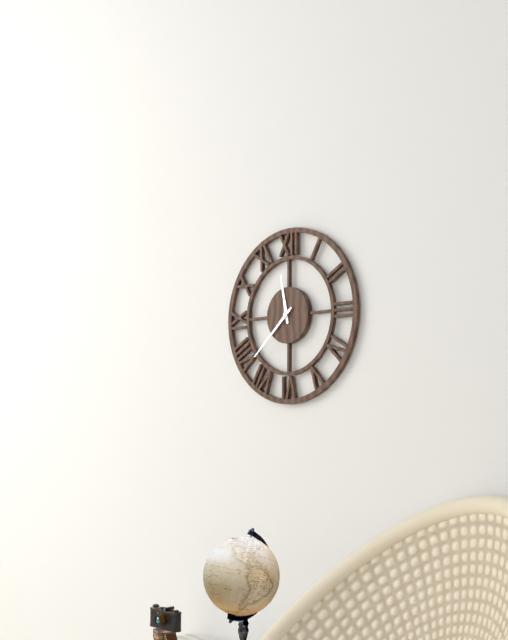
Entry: **11:38**
